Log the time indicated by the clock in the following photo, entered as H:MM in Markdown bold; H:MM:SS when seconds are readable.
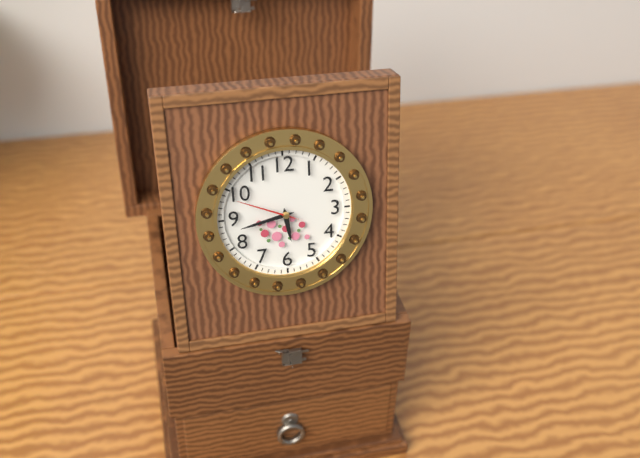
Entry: **5:43:49**
